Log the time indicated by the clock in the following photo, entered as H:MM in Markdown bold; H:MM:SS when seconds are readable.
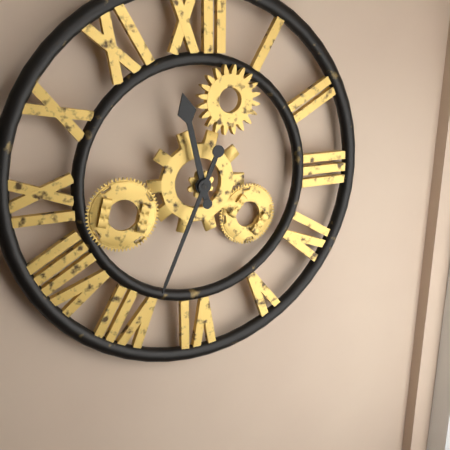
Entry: **11:34**
